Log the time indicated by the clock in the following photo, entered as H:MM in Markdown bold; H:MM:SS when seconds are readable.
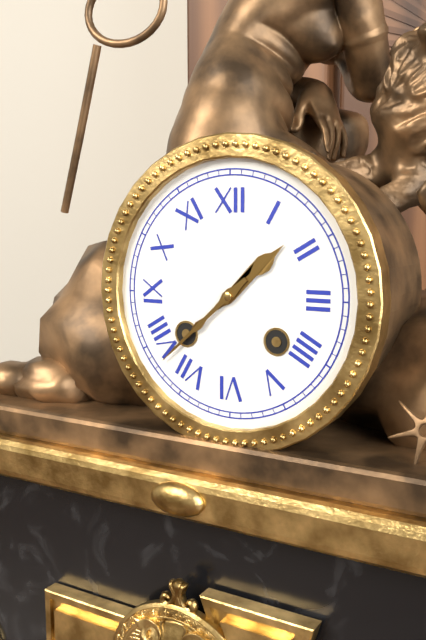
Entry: **1:38**
